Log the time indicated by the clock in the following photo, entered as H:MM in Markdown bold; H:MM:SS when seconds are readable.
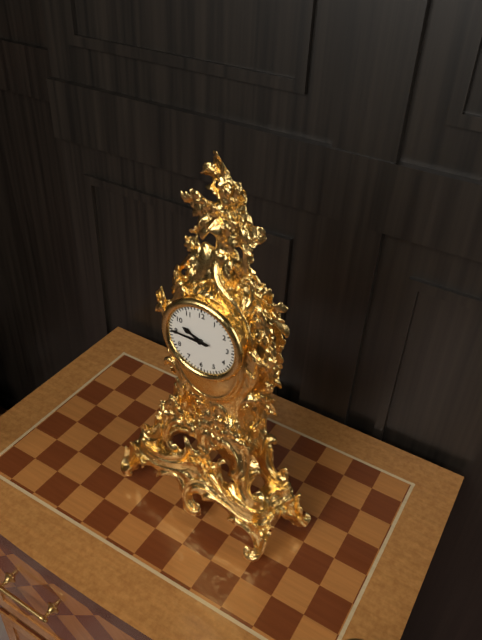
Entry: **9:45**
